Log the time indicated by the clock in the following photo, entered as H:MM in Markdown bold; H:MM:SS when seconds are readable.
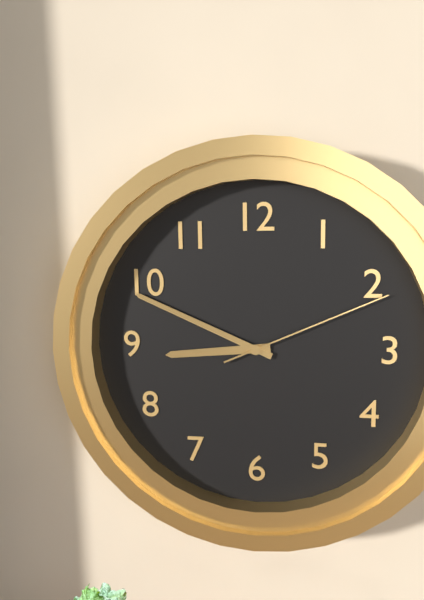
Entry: **8:49:11**
